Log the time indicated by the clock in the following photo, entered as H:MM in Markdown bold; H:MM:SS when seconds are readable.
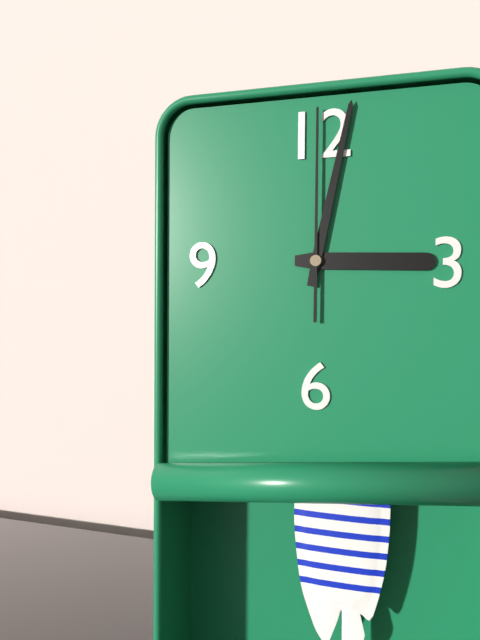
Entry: **3:02:00**
